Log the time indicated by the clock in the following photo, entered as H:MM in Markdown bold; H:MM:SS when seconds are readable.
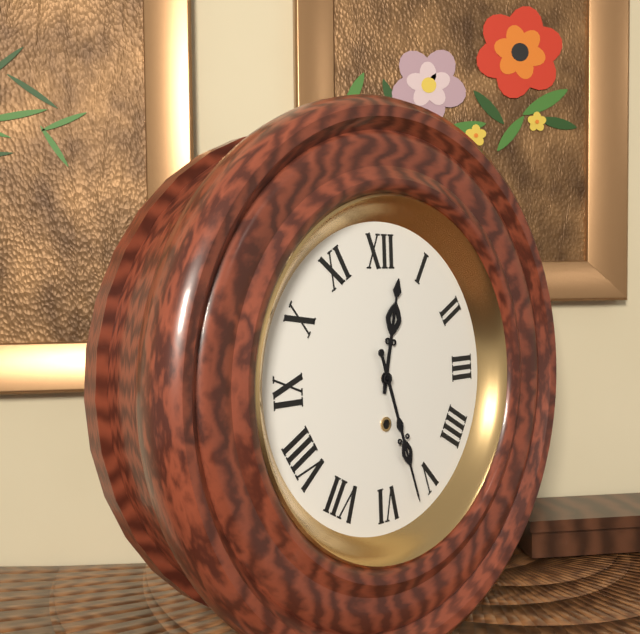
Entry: **12:27**
